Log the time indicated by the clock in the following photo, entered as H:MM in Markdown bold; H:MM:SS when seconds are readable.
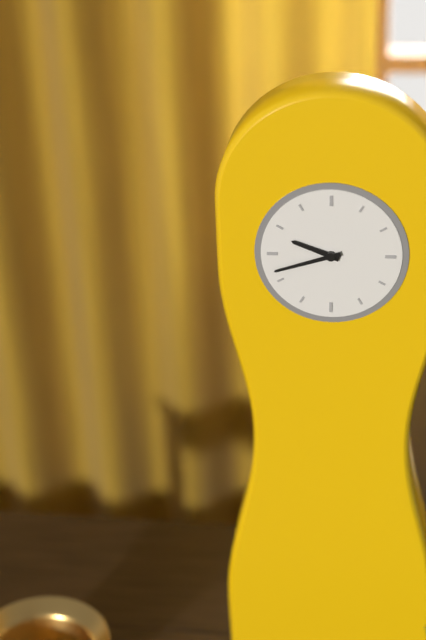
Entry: **9:42**
